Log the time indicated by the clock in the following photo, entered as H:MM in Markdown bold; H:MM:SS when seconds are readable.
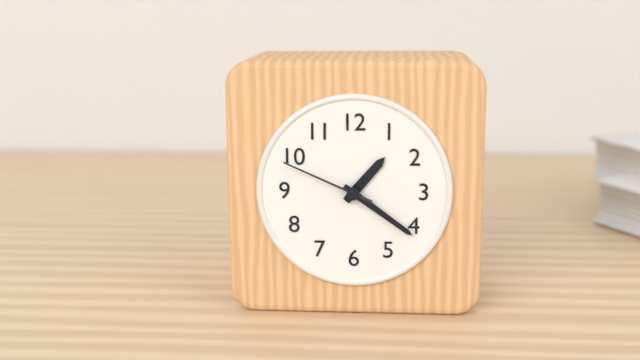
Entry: **1:21:49**
